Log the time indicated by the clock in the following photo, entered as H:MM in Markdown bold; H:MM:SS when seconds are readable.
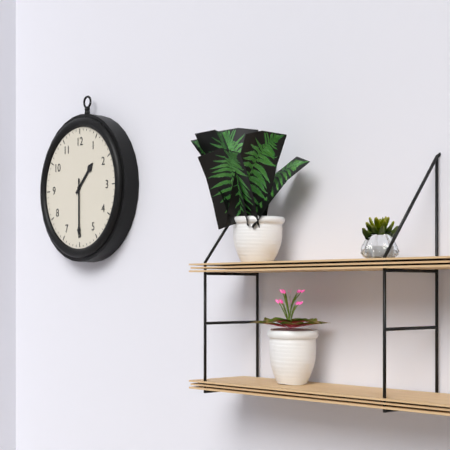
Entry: **1:30**
